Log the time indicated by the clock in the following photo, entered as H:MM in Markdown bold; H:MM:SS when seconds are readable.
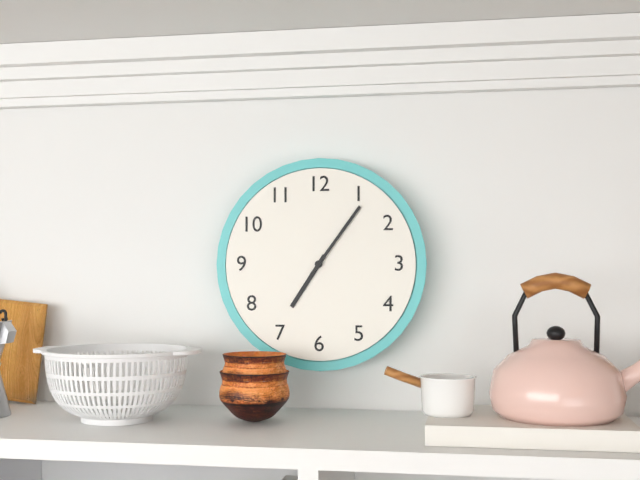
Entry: **7:06**
